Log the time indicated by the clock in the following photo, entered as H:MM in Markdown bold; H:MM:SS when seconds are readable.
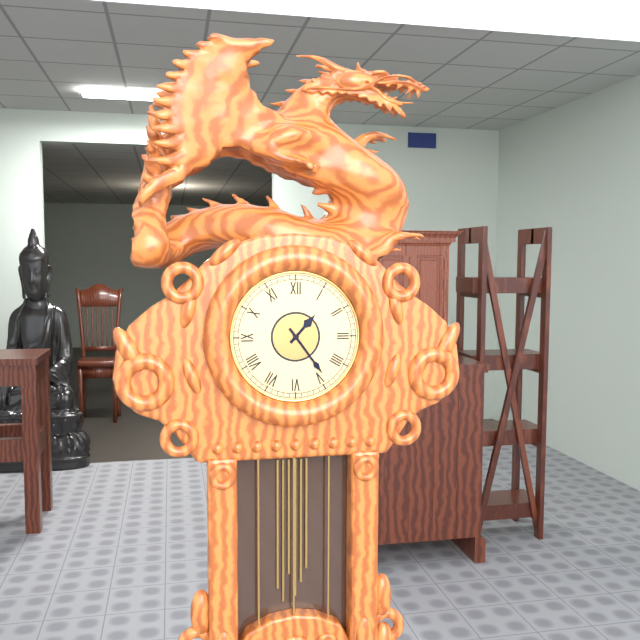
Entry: **1:24**
